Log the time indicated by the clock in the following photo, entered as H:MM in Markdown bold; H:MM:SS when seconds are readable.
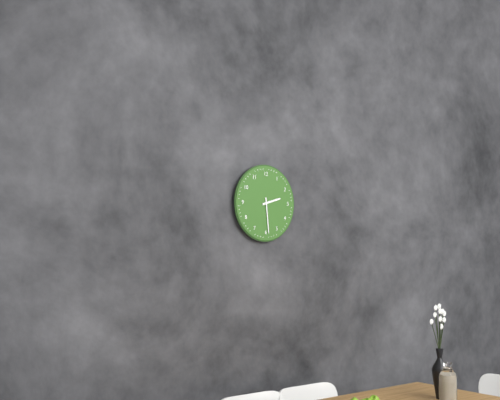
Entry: **2:29**
